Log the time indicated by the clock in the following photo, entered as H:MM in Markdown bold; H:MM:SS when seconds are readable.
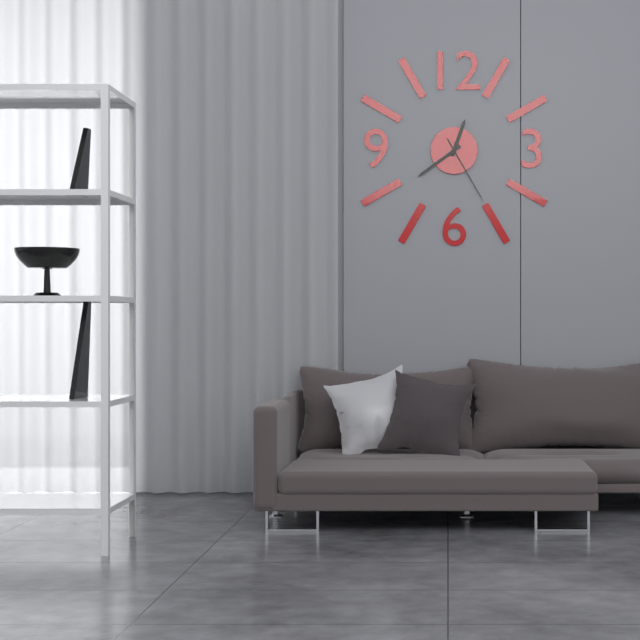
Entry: **12:39:25**
